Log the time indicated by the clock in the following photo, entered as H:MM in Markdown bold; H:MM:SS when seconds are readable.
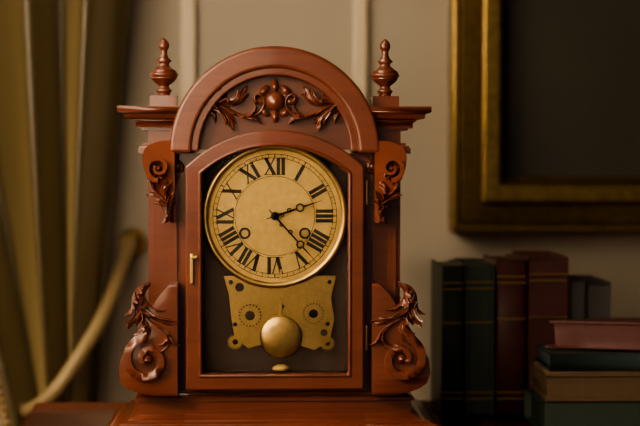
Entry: **2:23**
